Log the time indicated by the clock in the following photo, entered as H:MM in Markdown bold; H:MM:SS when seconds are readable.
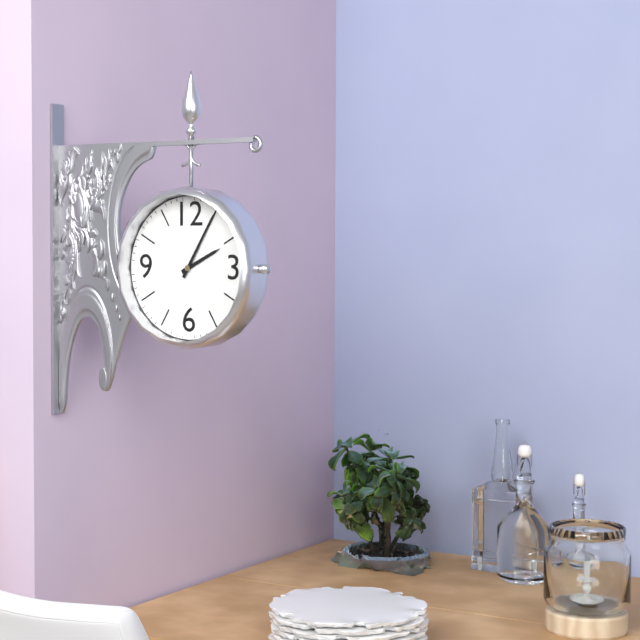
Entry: **2:05**
